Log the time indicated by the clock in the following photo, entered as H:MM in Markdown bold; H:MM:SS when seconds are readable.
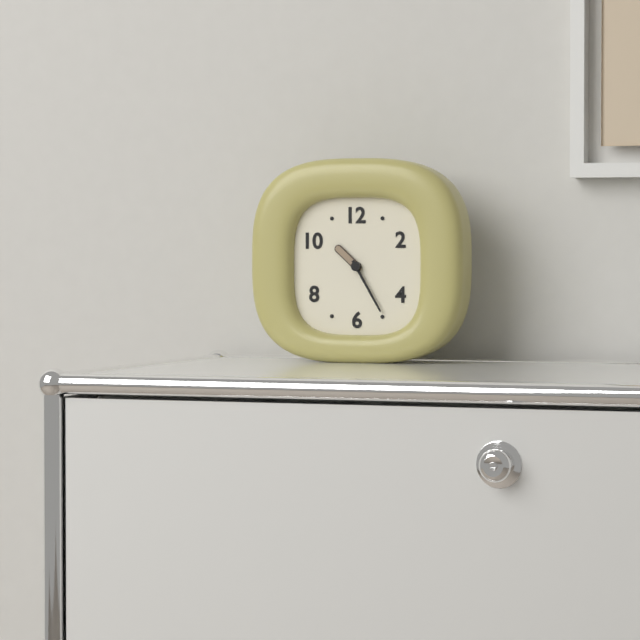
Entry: **10:25**
